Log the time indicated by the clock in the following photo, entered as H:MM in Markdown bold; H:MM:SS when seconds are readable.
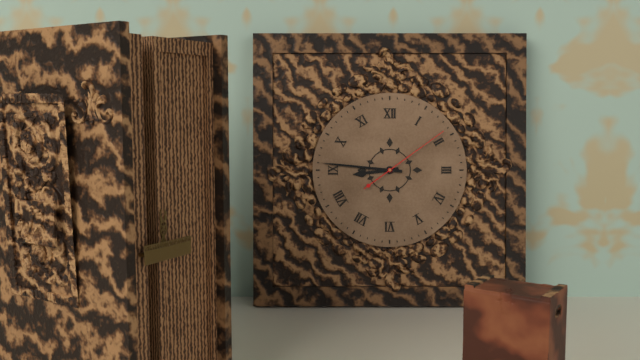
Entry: **8:46:09**
